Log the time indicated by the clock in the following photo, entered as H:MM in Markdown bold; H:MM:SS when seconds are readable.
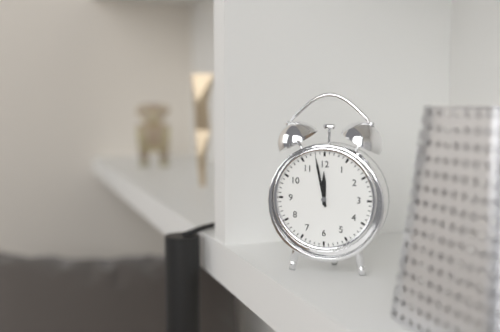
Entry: **11:58**
